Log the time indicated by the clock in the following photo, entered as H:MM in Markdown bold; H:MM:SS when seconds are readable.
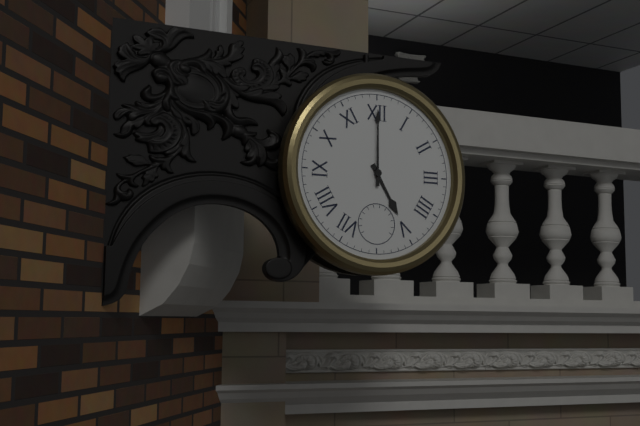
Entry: **5:00**
